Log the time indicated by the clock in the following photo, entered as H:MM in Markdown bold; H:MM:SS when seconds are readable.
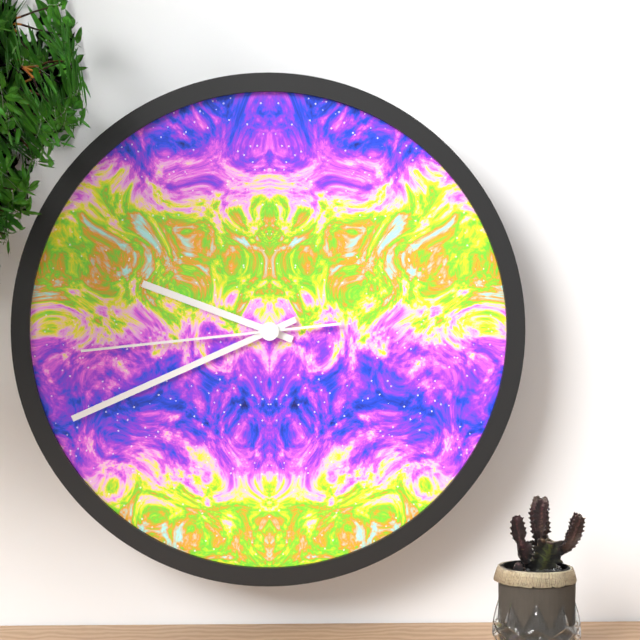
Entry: **9:41:44**
